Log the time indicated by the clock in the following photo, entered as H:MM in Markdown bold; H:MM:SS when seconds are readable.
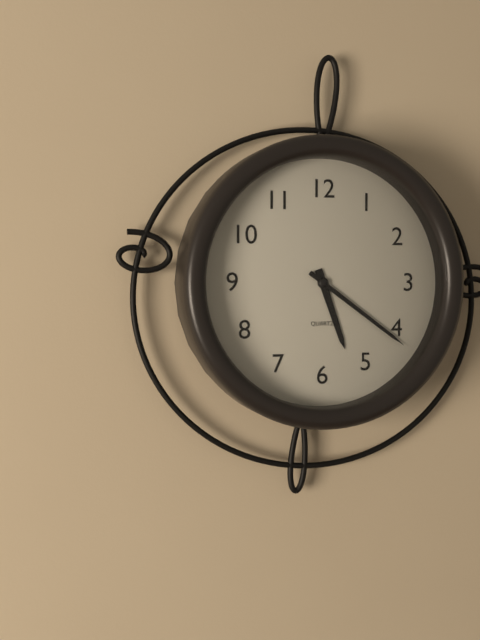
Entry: **5:21**
